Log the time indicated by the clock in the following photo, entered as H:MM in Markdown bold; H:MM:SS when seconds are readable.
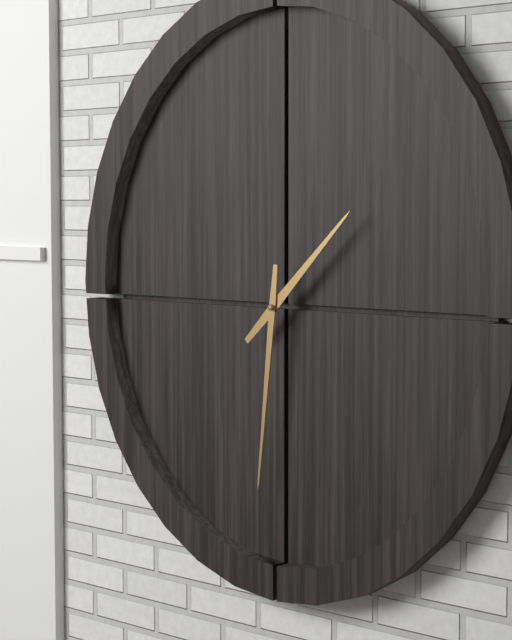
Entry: **1:31**
